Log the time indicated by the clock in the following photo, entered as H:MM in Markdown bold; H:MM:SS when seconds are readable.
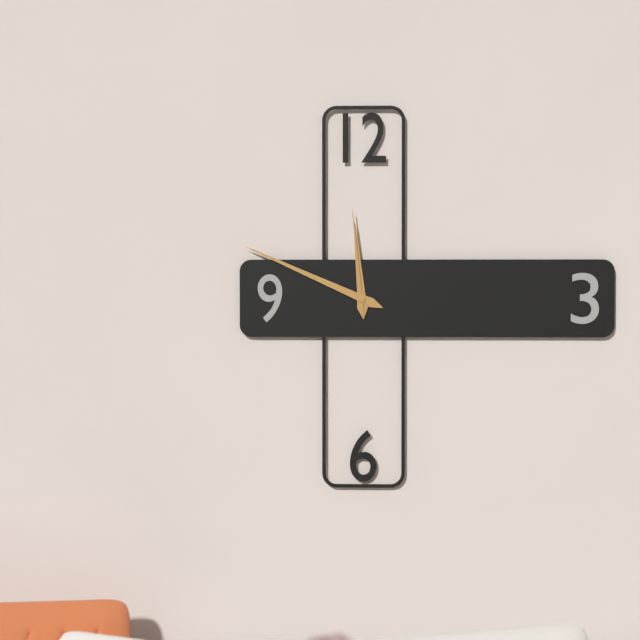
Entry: **11:49:59**
